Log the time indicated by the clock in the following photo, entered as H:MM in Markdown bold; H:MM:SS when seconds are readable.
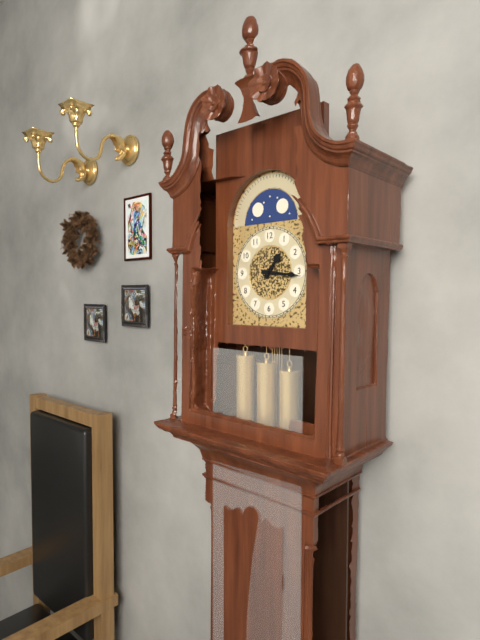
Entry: **1:16**
